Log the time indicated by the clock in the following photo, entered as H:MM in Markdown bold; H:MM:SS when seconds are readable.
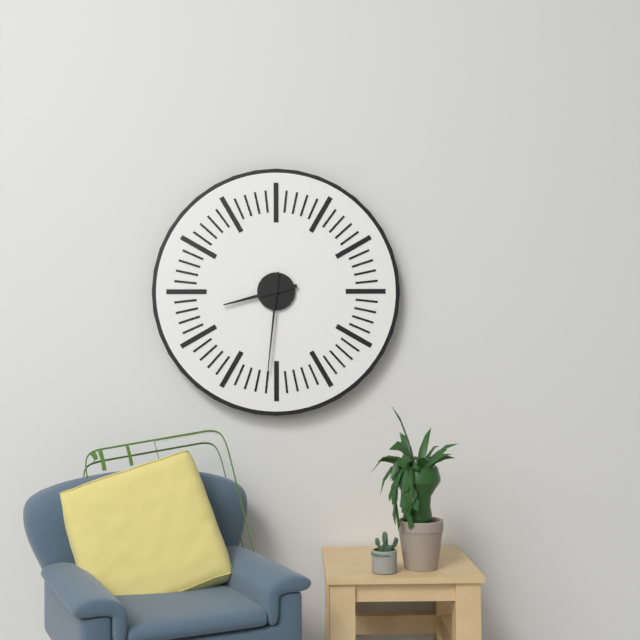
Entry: **8:31**
